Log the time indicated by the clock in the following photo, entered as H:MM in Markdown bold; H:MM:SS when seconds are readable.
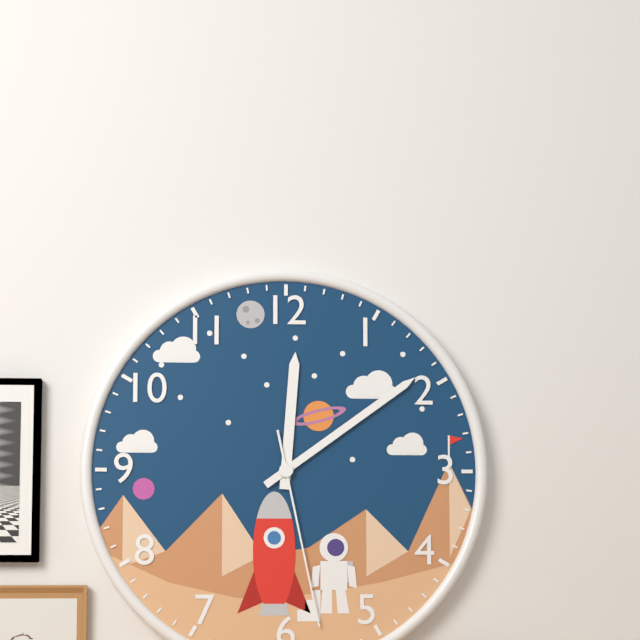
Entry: **12:09:28**
